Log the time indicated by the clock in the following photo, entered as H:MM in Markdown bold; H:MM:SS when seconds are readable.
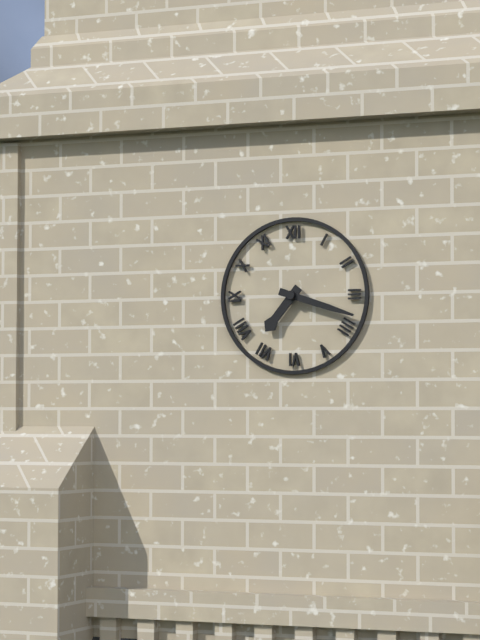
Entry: **7:18**
